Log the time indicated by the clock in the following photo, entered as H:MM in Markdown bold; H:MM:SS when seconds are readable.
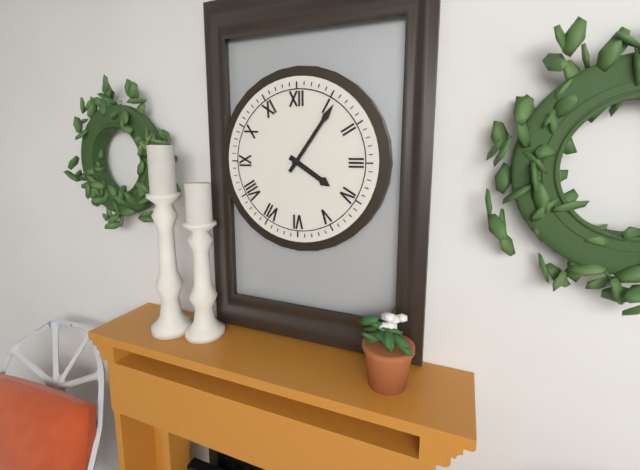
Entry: **4:06**
